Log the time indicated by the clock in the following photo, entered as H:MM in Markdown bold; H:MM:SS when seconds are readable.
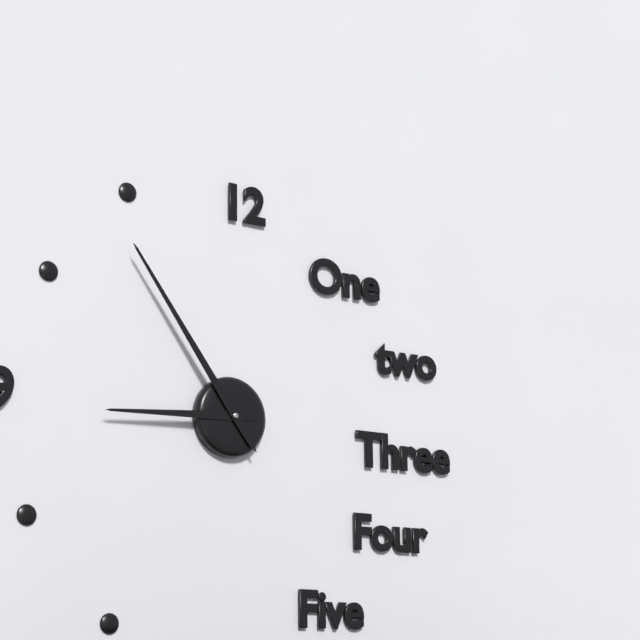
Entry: **8:54**
